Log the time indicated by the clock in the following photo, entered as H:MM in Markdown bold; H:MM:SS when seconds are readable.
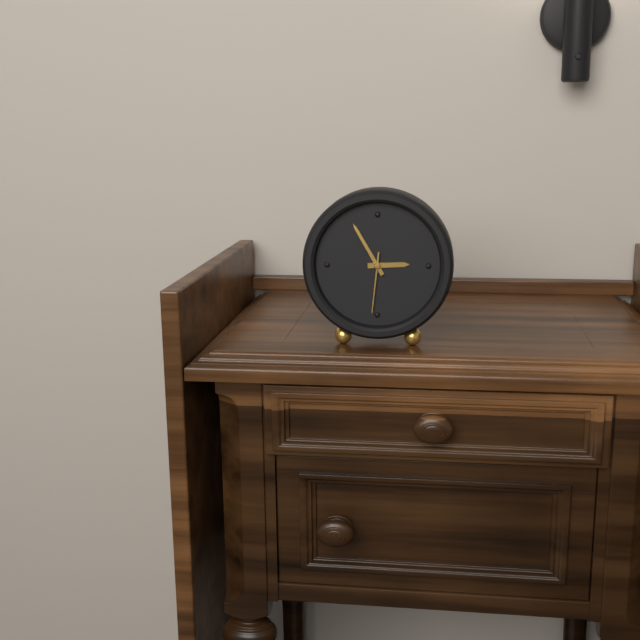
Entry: **2:55:31**
